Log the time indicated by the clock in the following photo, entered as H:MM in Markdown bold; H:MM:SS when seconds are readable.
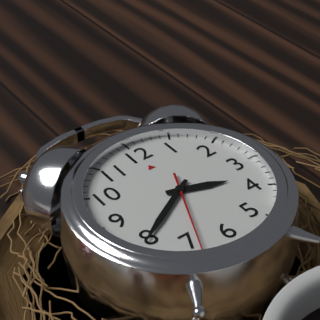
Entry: **3:40:34**
